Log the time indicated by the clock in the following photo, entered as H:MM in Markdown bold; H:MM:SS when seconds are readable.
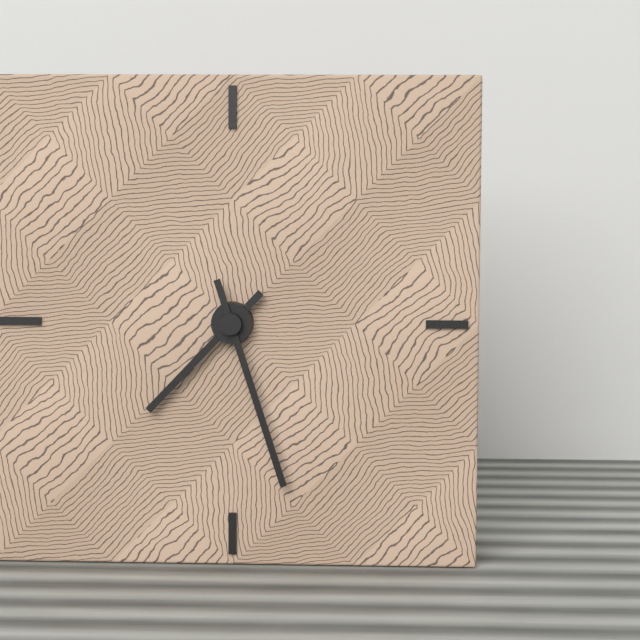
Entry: **7:27**
